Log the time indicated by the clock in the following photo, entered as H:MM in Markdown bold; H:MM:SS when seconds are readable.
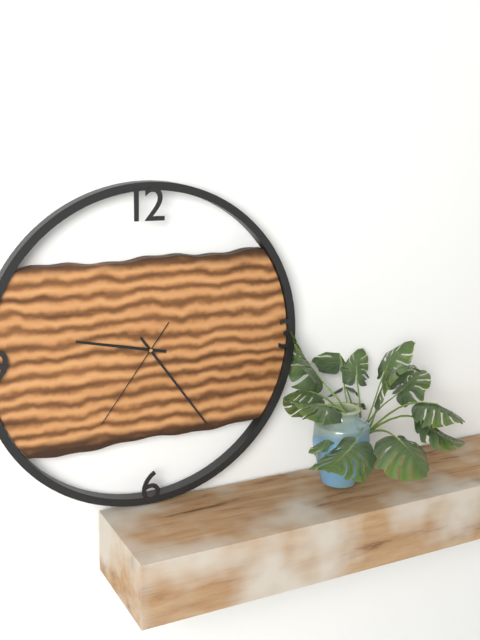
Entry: **9:24:36**
